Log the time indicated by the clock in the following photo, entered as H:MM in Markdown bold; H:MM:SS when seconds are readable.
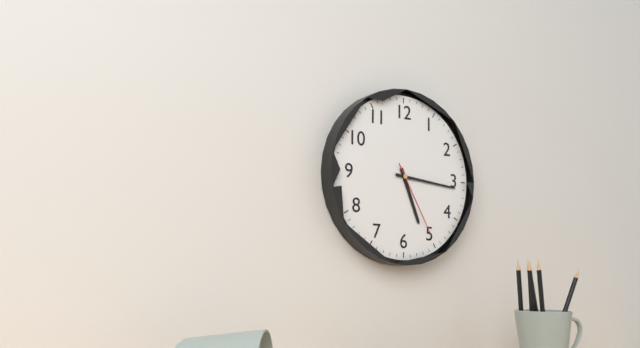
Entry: **5:16:25**
